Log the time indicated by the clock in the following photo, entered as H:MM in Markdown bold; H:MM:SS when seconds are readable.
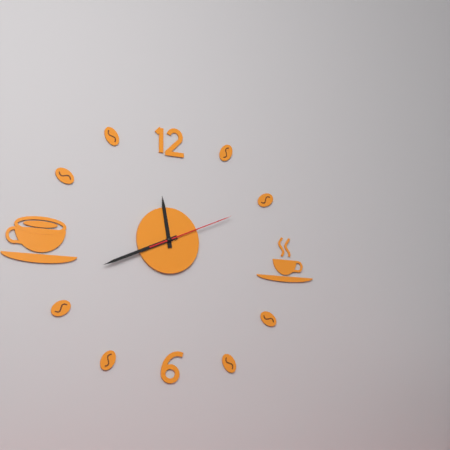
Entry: **11:41:11**
